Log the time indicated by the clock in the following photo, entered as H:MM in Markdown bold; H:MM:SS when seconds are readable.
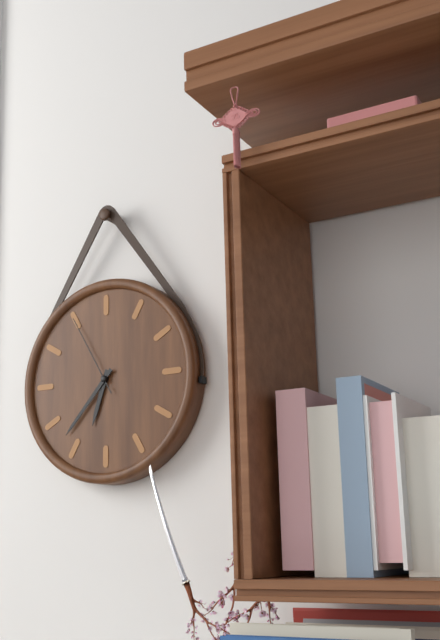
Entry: **6:37:55**
